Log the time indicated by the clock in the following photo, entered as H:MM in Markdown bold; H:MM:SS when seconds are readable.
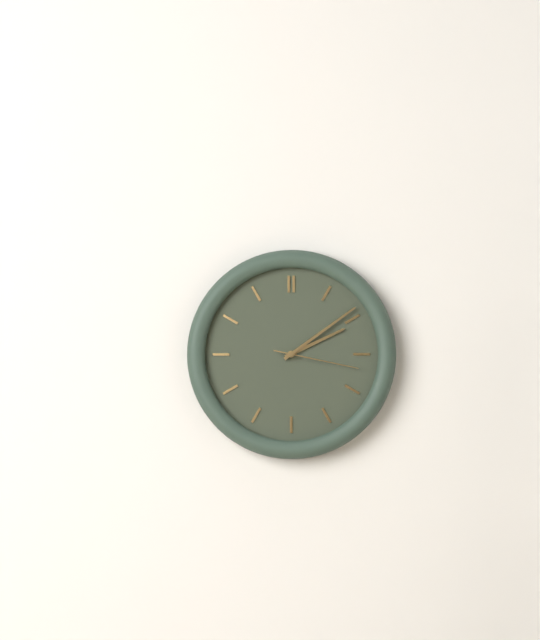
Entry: **2:09:17**
